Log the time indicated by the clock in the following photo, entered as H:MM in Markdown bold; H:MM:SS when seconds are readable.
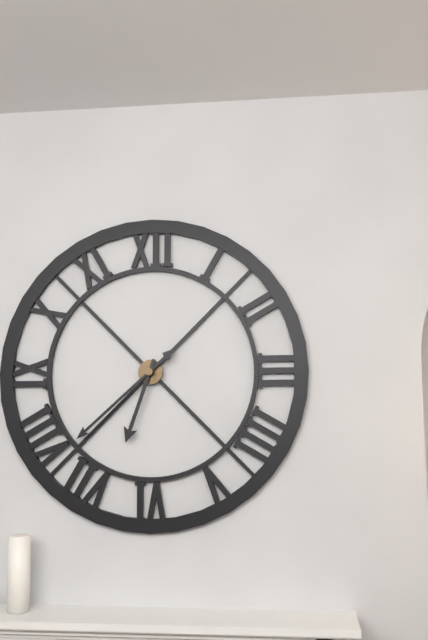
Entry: **6:38**
